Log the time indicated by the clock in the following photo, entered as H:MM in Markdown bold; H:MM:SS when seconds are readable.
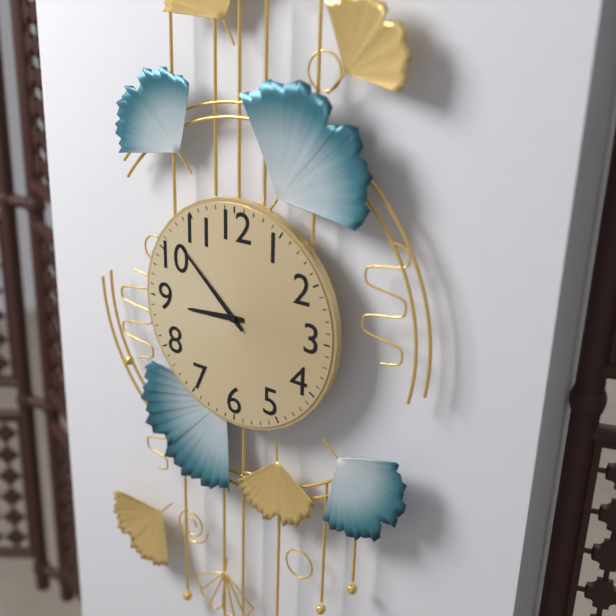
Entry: **8:52**
